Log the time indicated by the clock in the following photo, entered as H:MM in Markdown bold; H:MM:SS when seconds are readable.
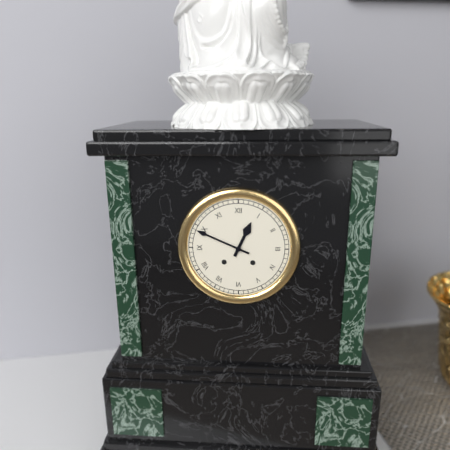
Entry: **12:49**
